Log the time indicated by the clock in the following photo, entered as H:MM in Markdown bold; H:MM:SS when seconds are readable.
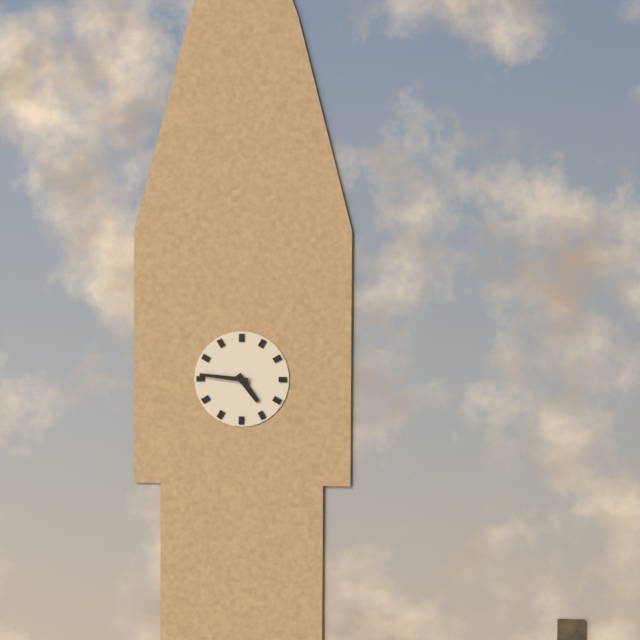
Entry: **4:46**
